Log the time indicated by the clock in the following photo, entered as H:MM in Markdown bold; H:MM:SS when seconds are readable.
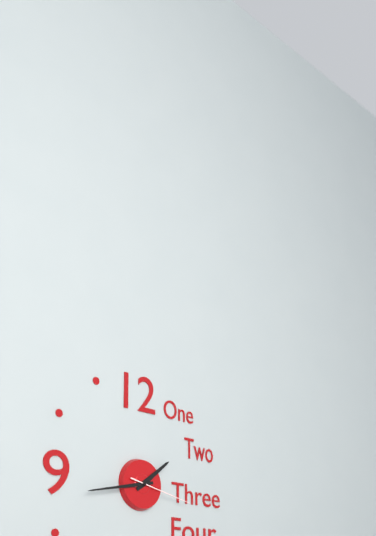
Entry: **1:43:17**
